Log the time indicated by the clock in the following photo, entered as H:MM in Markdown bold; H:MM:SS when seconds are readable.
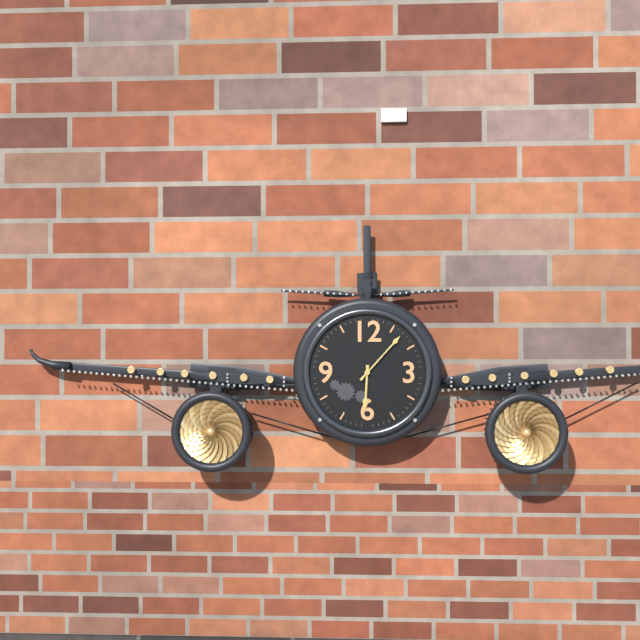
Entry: **6:07**
